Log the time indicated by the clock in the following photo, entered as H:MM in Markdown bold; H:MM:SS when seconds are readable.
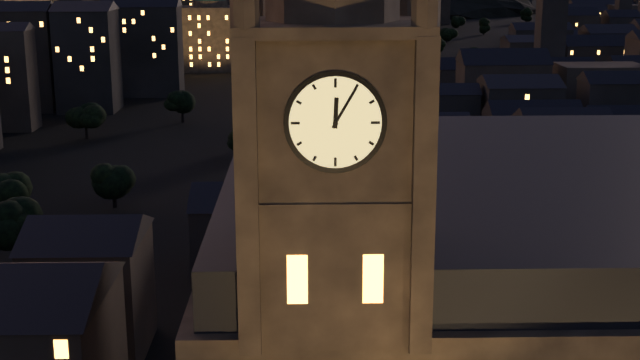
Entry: **12:05**
